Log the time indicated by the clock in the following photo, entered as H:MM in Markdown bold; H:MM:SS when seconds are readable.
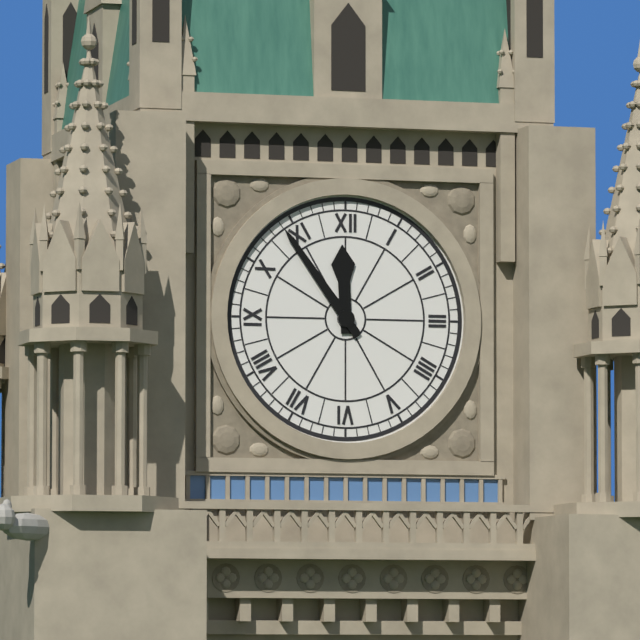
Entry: **11:54**
